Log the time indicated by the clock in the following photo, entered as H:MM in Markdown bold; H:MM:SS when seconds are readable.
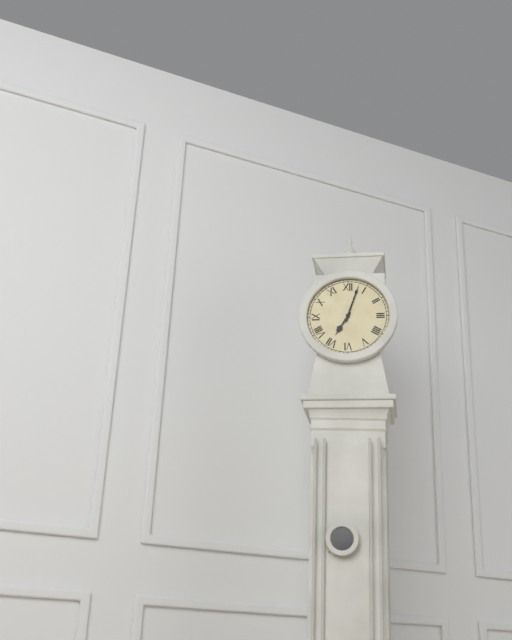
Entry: **7:03**
